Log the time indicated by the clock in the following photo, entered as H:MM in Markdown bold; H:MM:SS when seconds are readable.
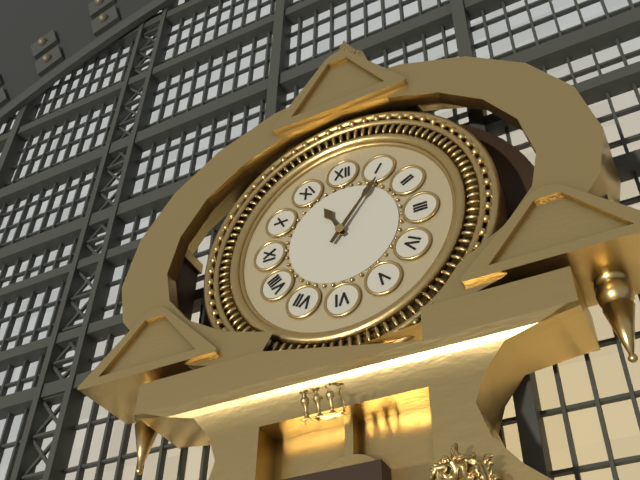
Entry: **11:06**
